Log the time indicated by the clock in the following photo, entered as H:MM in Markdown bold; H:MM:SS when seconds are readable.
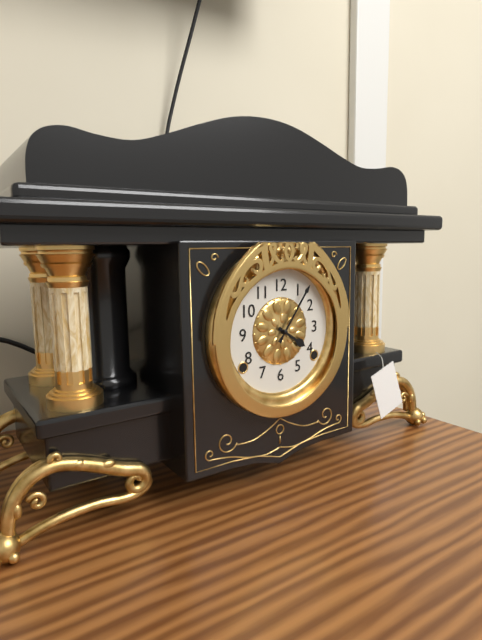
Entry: **4:06**
